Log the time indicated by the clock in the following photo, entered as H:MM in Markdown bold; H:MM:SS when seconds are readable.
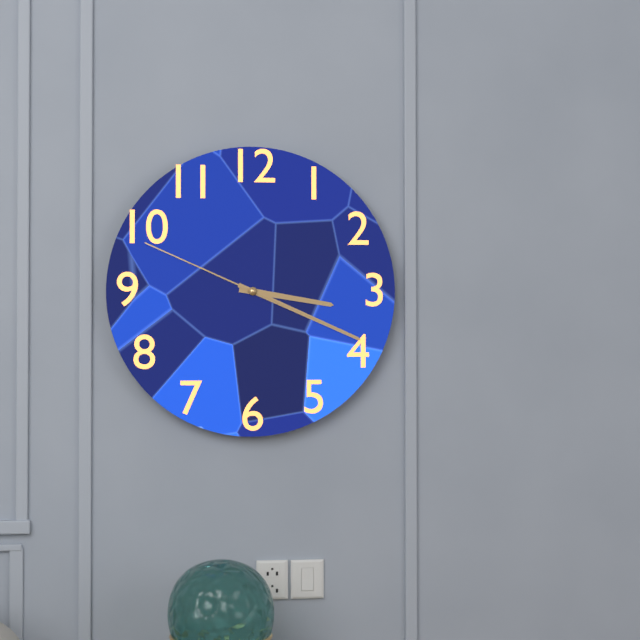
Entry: **3:19:49**
